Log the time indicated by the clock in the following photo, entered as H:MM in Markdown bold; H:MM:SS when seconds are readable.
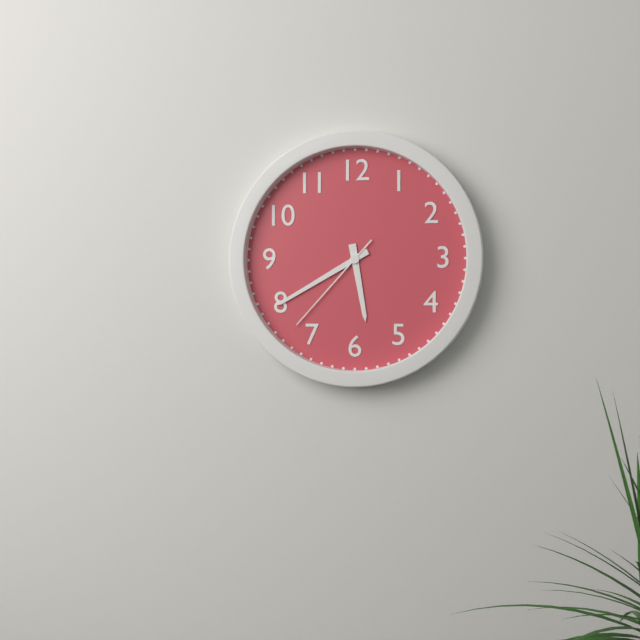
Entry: **5:40:37**
